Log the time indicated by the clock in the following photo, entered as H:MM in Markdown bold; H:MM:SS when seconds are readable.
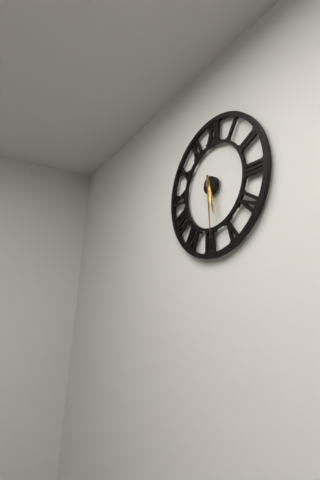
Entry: **5:29**
